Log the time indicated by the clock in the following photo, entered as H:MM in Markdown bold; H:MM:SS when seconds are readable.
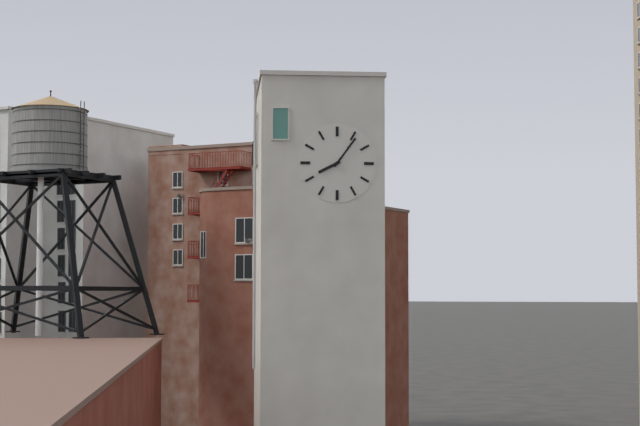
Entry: **8:06**
